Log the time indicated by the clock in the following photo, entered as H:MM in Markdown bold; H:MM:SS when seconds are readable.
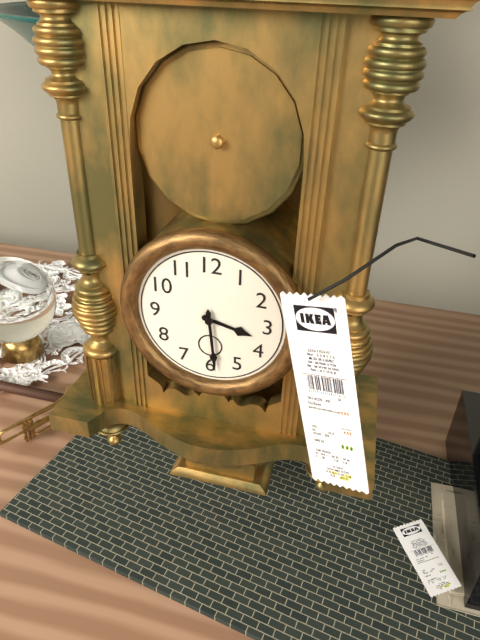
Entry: **3:29**
